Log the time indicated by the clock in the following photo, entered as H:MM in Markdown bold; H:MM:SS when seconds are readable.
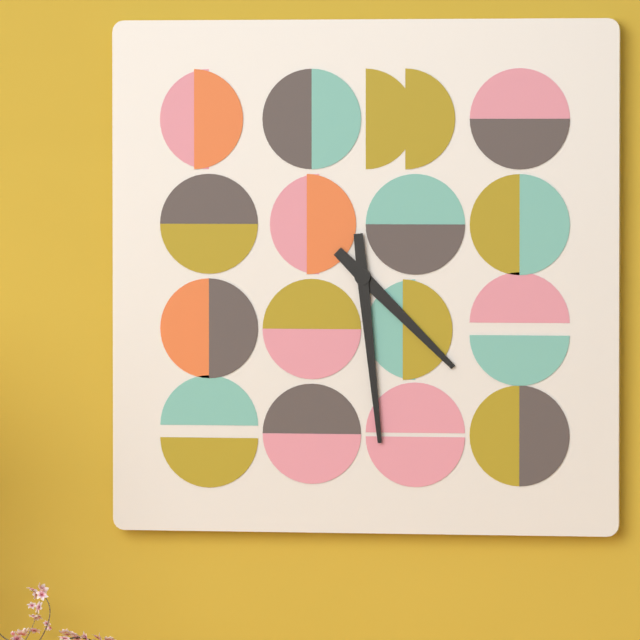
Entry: **4:29**
